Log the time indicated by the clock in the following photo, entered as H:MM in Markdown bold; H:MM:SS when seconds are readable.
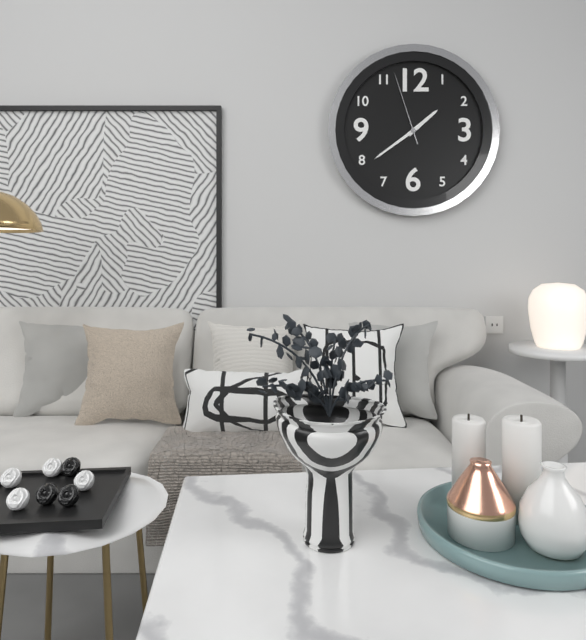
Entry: **1:39:57**
